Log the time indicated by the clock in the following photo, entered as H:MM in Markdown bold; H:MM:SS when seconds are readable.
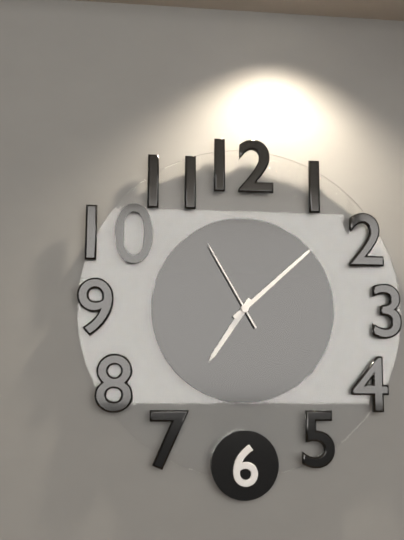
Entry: **7:08:55**
